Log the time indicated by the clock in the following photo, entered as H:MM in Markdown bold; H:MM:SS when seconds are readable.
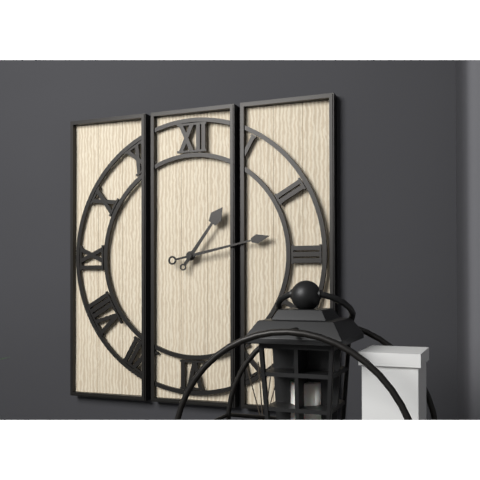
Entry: **1:13**
